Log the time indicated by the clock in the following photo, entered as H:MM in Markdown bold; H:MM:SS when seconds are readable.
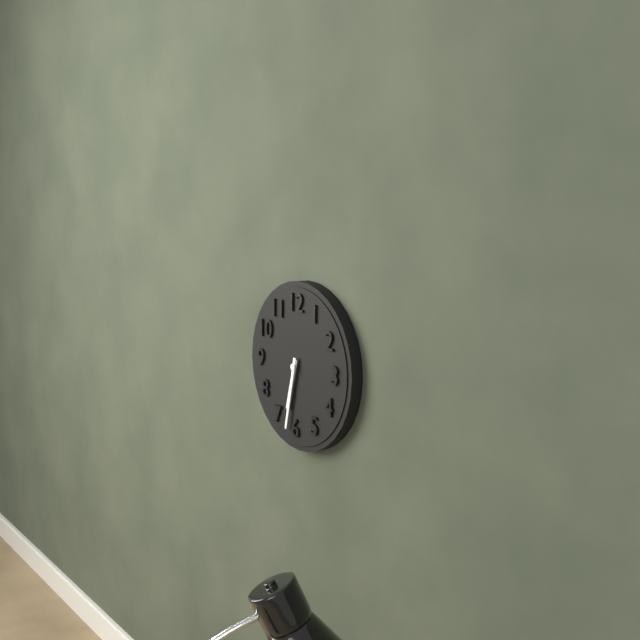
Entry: **6:32**
